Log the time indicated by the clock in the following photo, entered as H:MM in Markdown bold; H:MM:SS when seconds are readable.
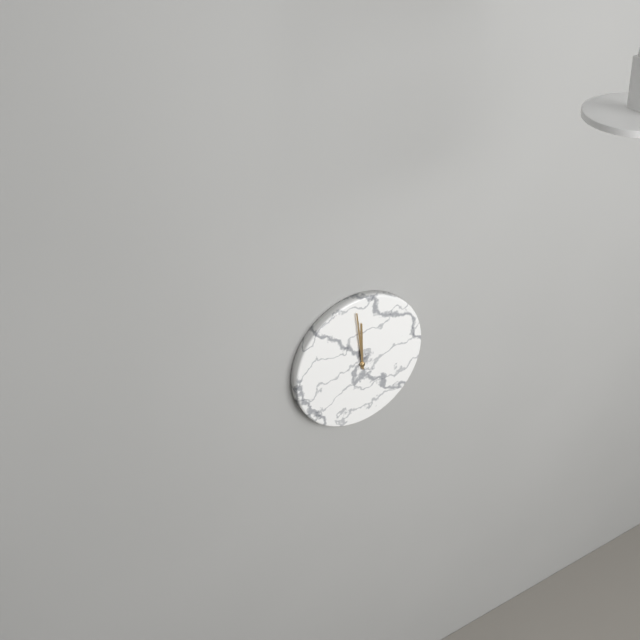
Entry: **11:59**
